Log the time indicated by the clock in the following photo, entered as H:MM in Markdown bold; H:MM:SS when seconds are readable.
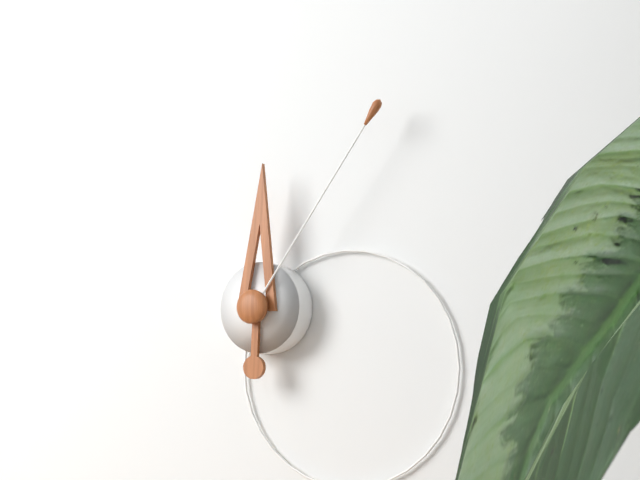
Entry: **12:06**
